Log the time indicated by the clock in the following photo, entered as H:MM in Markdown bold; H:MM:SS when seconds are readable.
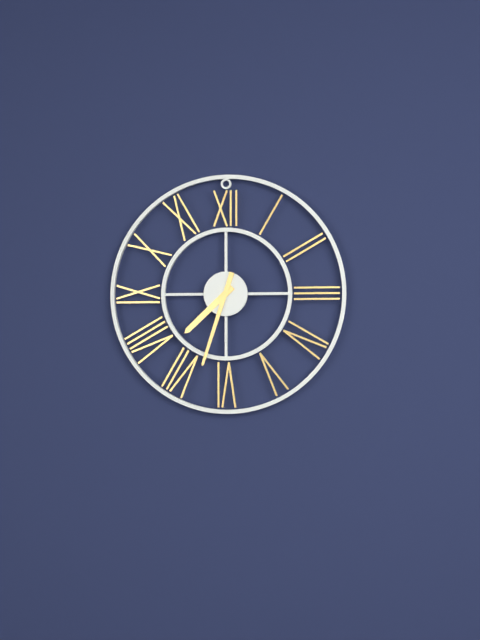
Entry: **7:33**
